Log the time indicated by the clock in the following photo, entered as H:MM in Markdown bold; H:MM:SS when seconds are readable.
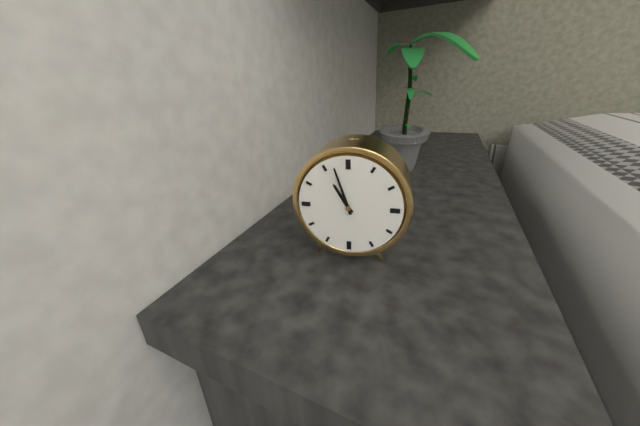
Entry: **10:57**
